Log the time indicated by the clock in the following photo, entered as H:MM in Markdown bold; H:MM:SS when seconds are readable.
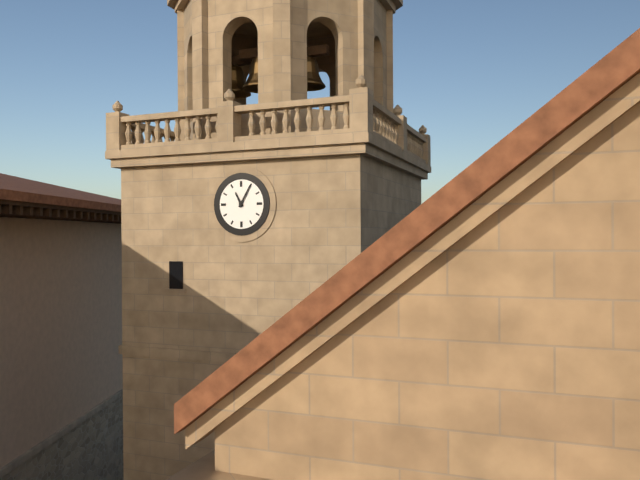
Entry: **11:05**
